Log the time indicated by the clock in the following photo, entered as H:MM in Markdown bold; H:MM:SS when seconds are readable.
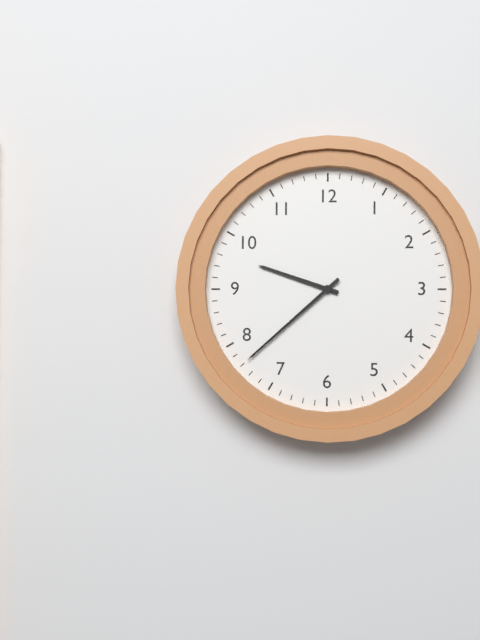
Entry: **9:38**
